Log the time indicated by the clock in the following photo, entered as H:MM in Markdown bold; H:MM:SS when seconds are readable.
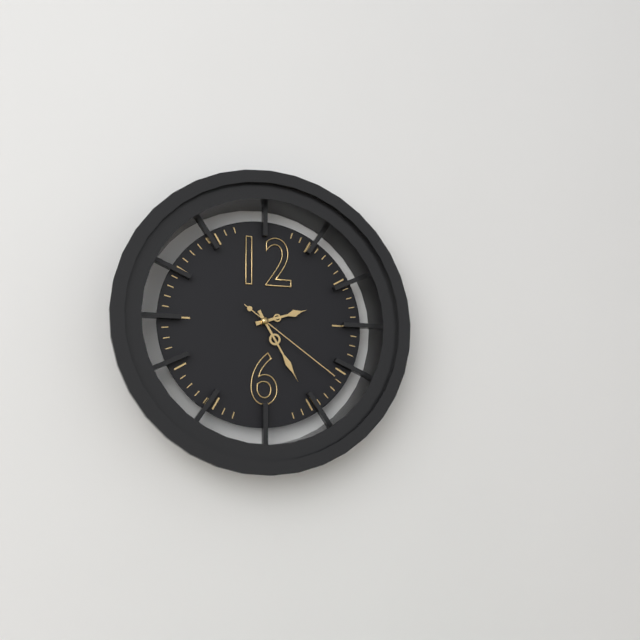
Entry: **2:25:21**
